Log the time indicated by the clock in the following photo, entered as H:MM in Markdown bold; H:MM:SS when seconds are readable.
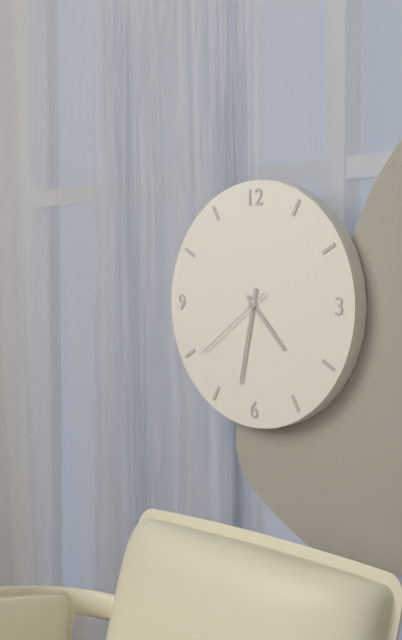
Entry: **4:32:39**
